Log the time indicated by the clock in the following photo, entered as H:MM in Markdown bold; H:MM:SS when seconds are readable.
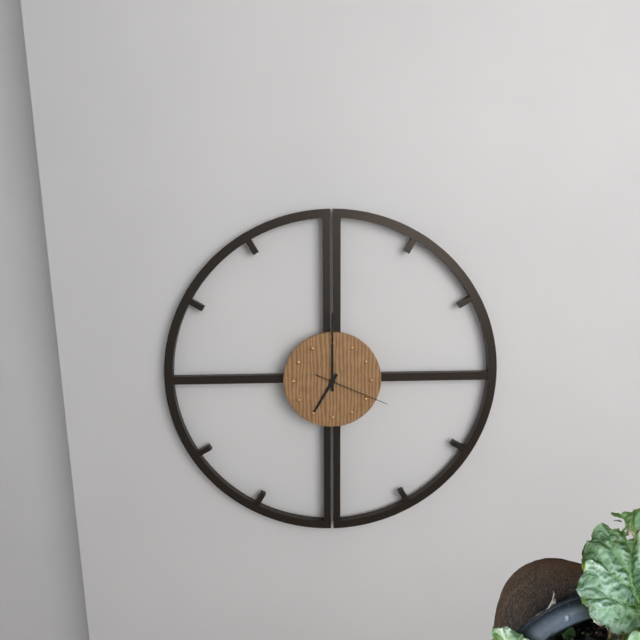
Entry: **7:00:19**
